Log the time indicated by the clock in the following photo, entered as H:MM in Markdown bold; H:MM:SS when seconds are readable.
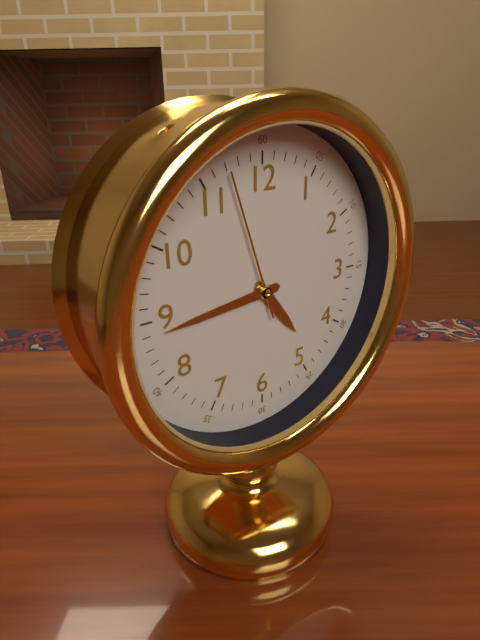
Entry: **4:44:57**
